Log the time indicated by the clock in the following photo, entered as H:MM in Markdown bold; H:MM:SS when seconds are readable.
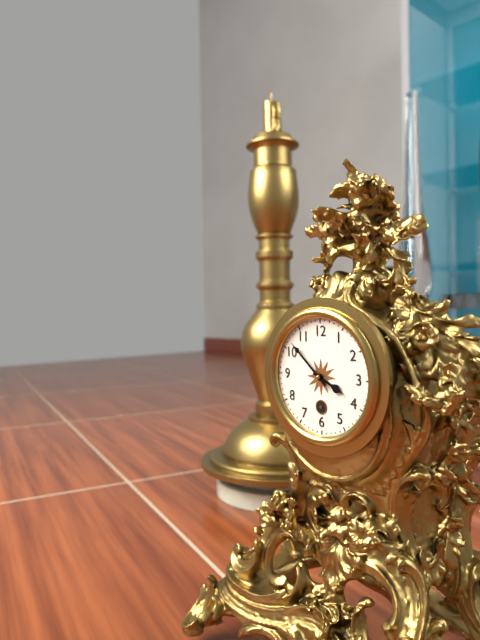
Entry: **3:52**
